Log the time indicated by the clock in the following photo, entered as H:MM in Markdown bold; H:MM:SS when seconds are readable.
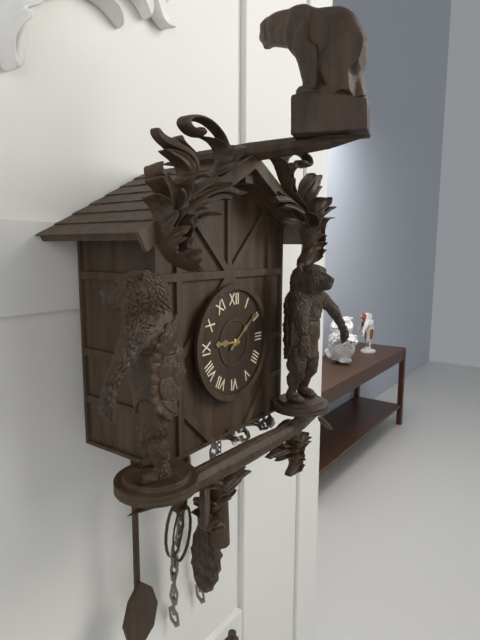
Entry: **9:09**
